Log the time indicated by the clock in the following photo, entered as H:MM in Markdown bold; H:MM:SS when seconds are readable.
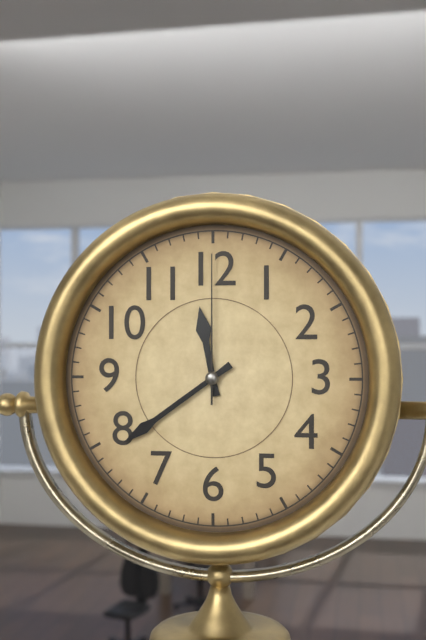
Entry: **11:39:00**
